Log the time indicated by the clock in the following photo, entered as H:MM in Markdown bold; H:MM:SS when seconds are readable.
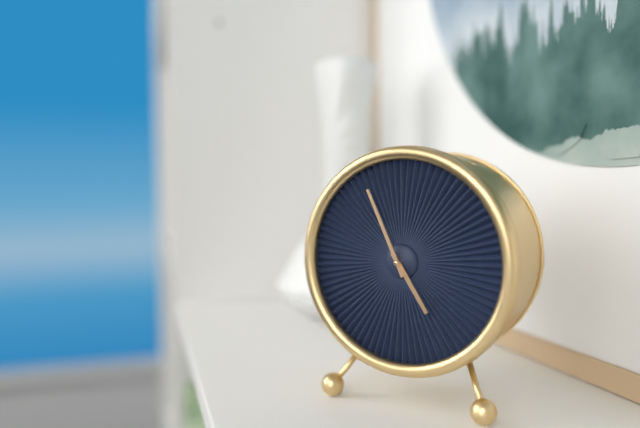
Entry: **4:56**
